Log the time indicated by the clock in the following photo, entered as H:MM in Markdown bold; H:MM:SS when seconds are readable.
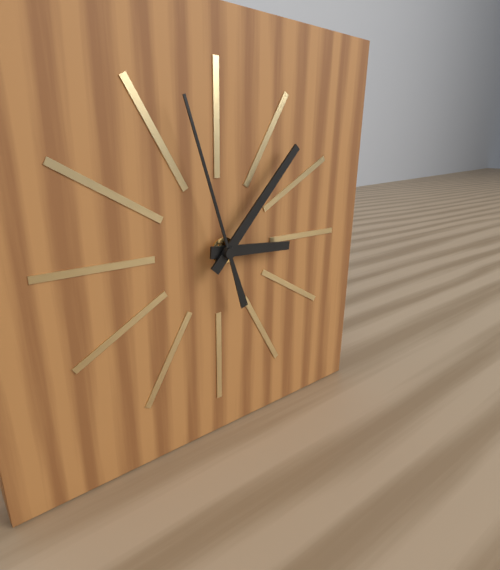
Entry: **3:07:57**
